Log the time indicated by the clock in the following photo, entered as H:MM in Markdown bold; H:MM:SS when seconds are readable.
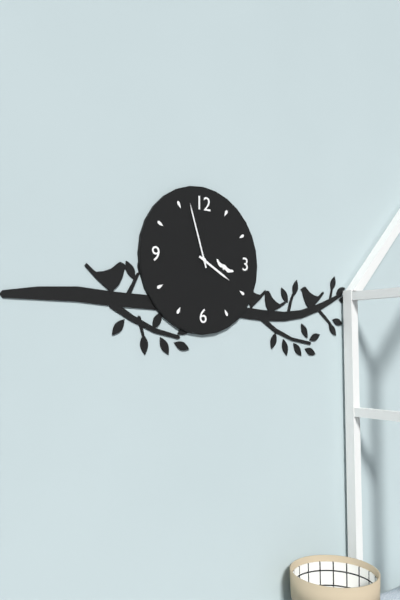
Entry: **3:57**
